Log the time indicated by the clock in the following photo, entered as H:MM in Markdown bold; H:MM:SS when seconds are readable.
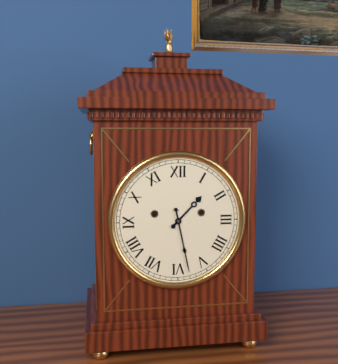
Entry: **1:28**
